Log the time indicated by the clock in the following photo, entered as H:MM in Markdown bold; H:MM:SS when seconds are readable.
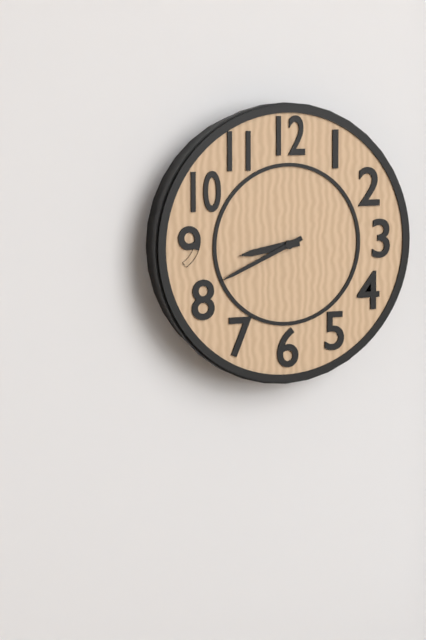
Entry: **8:41**
